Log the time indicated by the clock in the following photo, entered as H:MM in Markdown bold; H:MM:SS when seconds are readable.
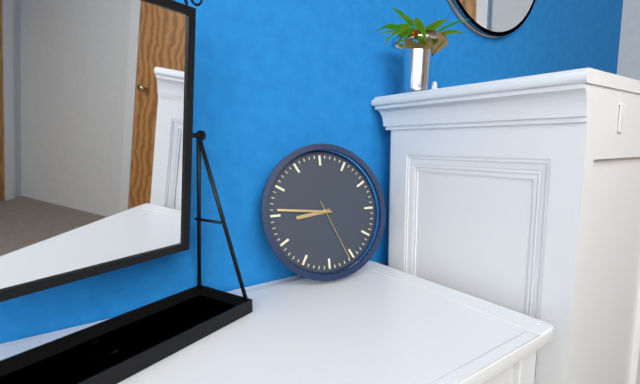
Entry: **8:46:26**
